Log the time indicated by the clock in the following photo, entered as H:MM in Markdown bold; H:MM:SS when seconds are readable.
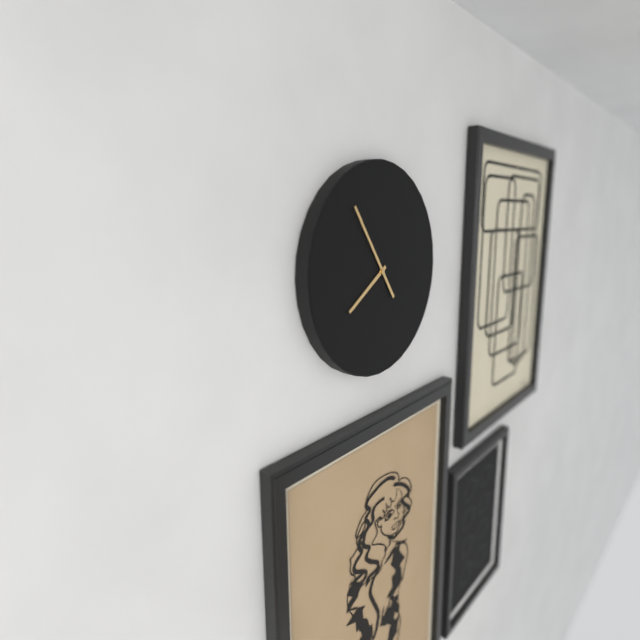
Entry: **7:54**
